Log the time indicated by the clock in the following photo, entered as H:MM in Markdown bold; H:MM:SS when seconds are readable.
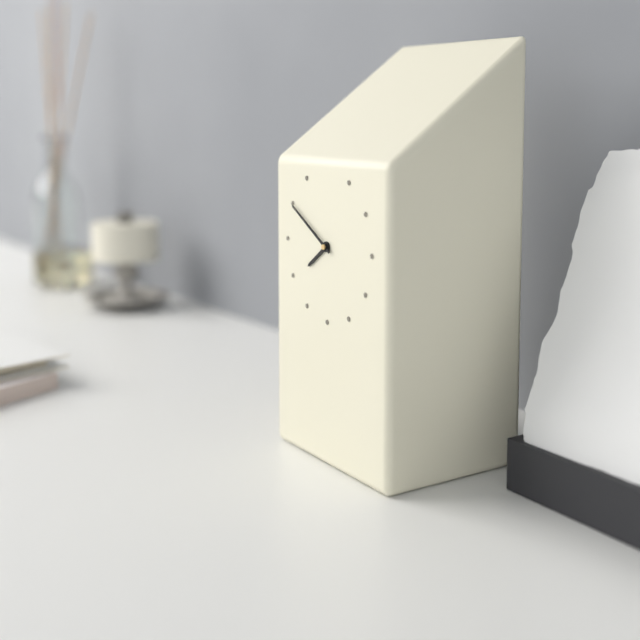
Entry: **7:50**
